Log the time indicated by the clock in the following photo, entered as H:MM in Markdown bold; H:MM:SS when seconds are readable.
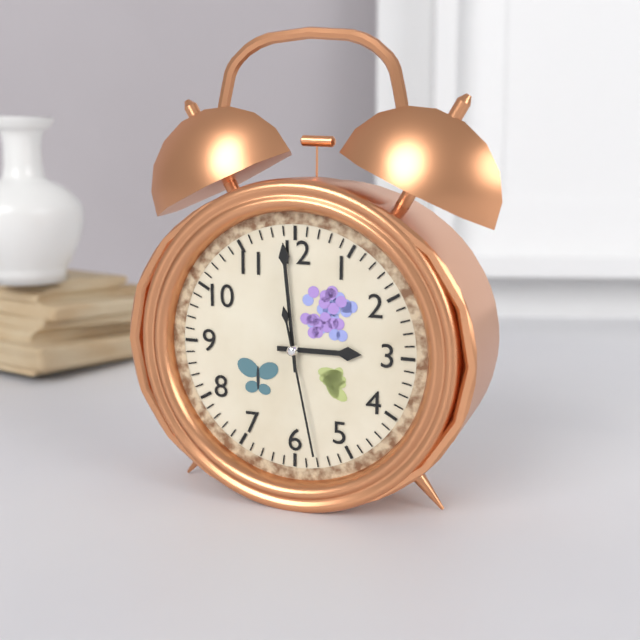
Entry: **2:59:28**
